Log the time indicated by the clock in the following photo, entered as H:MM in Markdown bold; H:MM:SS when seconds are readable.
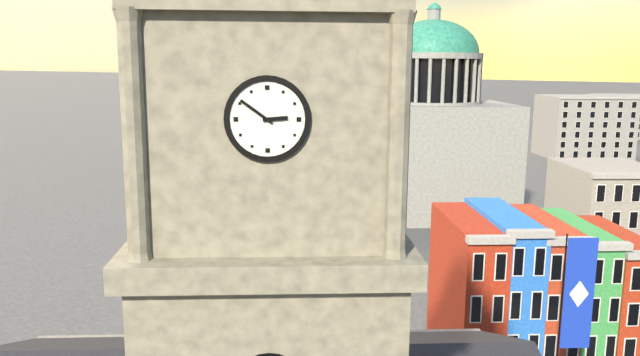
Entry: **2:51**
